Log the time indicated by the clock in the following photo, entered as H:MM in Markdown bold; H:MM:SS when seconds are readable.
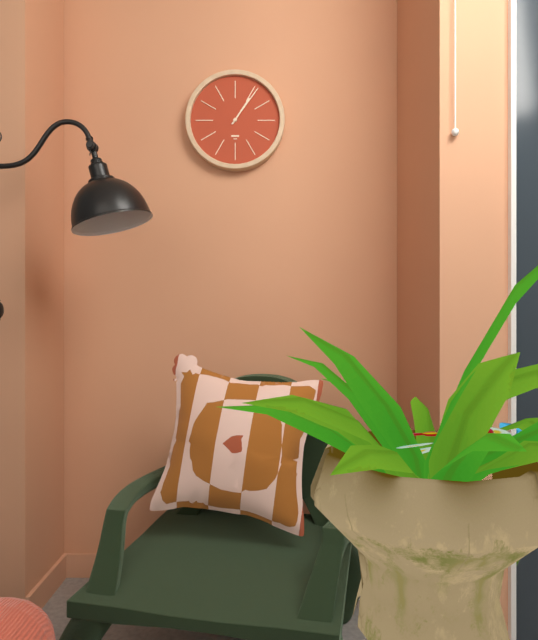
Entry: **1:06**
